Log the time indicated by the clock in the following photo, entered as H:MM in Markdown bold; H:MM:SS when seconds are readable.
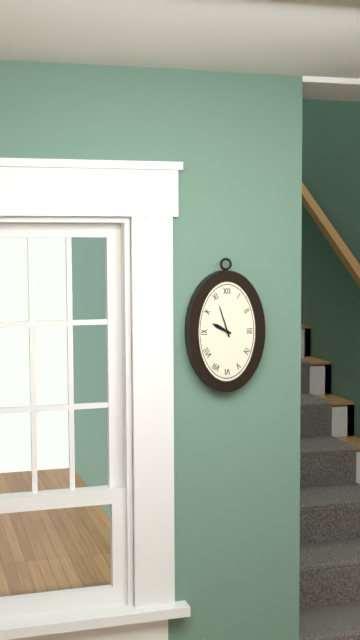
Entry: **9:57**
